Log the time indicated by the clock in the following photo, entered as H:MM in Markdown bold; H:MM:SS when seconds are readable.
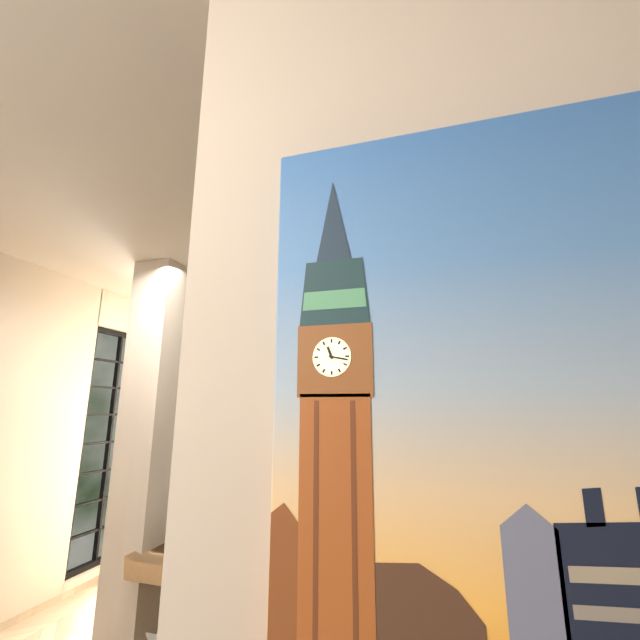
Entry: **11:17**
